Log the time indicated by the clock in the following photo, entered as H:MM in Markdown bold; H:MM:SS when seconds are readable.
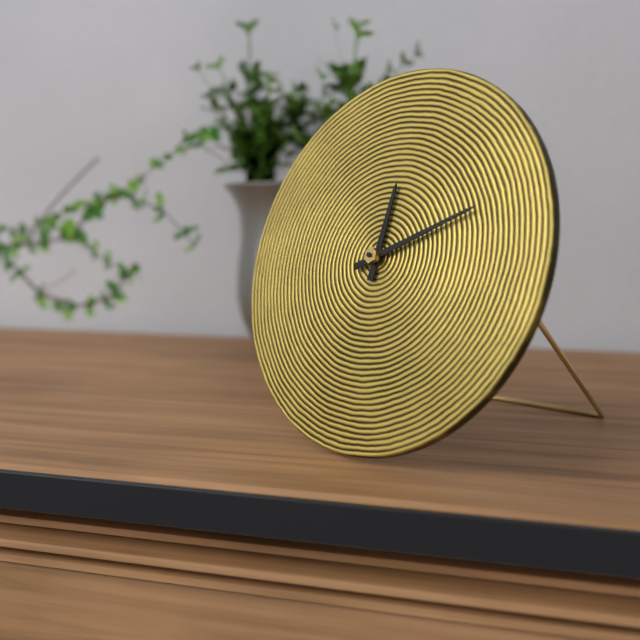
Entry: **12:11**
